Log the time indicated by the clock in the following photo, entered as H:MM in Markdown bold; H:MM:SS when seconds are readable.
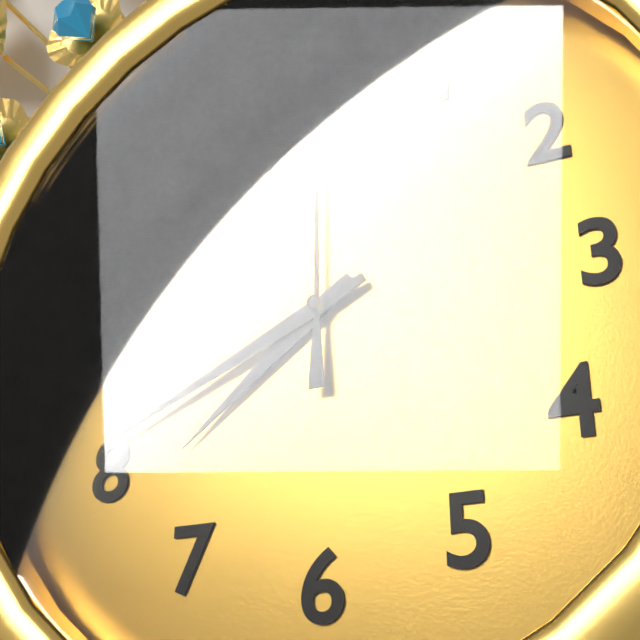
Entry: **7:41:00**
